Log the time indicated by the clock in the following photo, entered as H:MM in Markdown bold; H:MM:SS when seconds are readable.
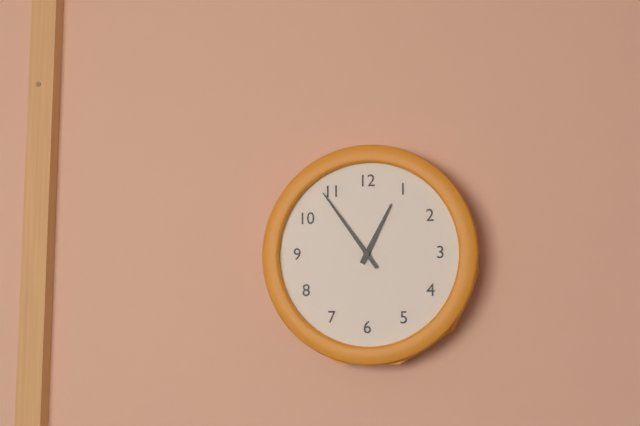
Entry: **12:54**
